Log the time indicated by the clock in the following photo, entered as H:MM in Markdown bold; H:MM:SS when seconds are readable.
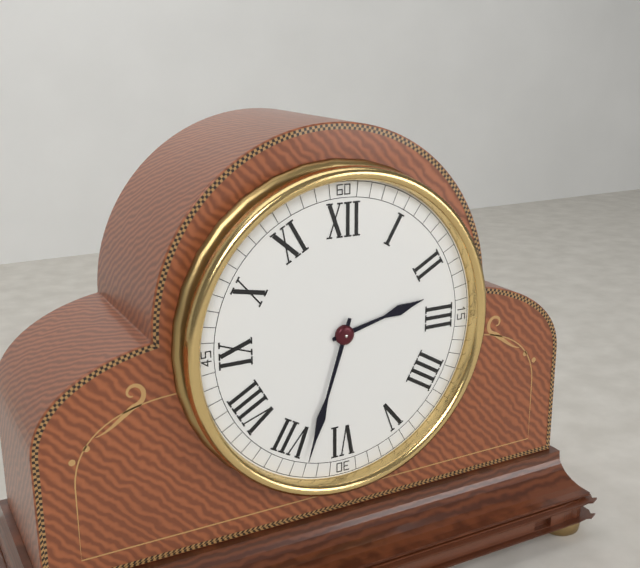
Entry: **2:33**
